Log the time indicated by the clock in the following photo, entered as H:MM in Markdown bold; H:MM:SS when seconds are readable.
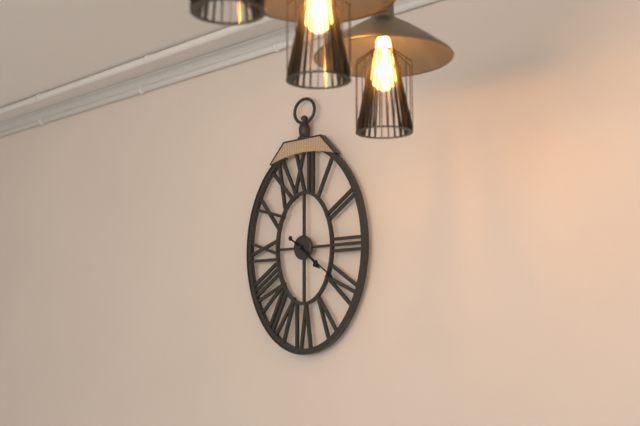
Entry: **4:21**
